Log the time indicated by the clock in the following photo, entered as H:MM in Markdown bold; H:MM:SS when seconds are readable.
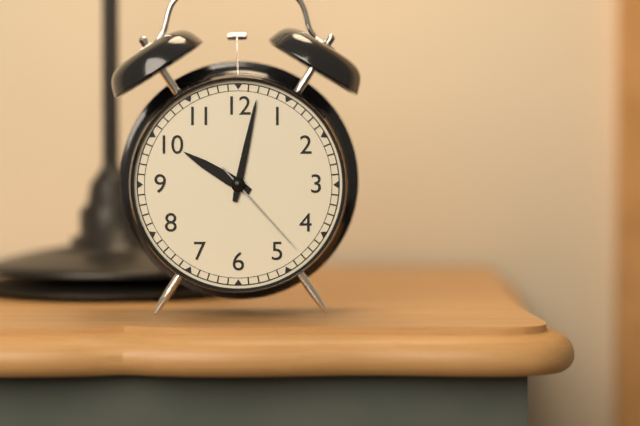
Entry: **10:02:23**
